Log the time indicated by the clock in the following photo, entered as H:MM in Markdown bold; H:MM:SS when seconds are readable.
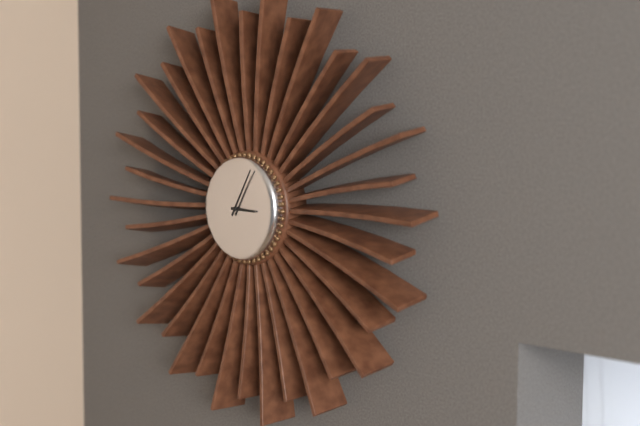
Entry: **3:05**
